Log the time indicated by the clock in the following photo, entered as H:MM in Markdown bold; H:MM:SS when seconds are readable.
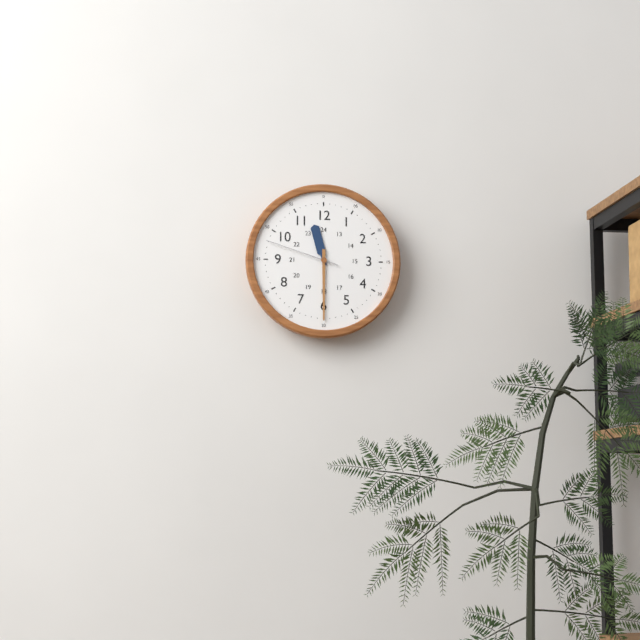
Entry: **11:30:48**
